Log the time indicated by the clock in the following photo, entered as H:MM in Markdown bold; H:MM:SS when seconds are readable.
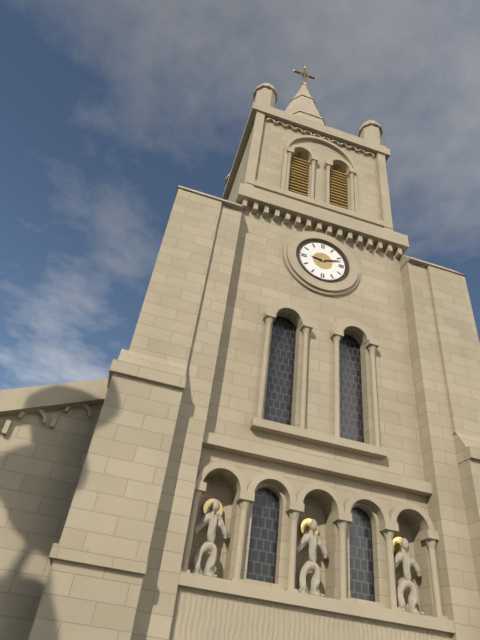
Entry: **9:12**
